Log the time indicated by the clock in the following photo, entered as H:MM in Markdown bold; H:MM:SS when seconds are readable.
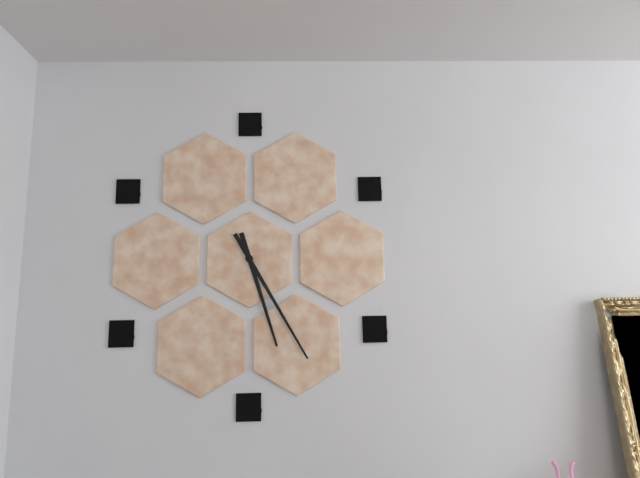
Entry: **5:25**
